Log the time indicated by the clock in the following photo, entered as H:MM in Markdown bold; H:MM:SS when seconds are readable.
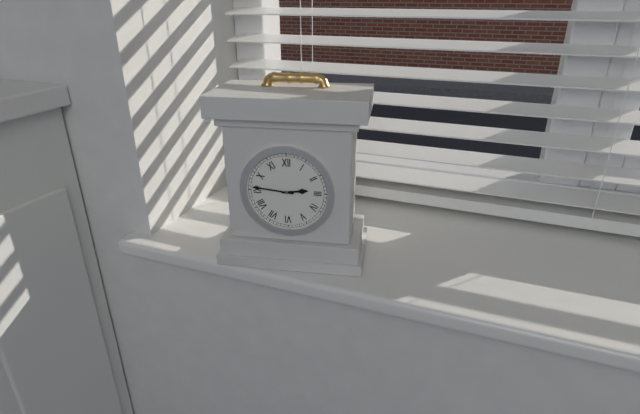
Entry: **2:46**
